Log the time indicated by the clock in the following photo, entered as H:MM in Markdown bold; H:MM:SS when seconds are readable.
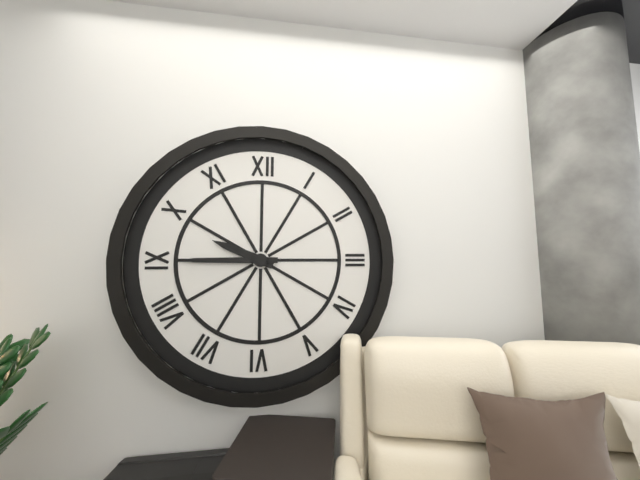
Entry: **9:45**
